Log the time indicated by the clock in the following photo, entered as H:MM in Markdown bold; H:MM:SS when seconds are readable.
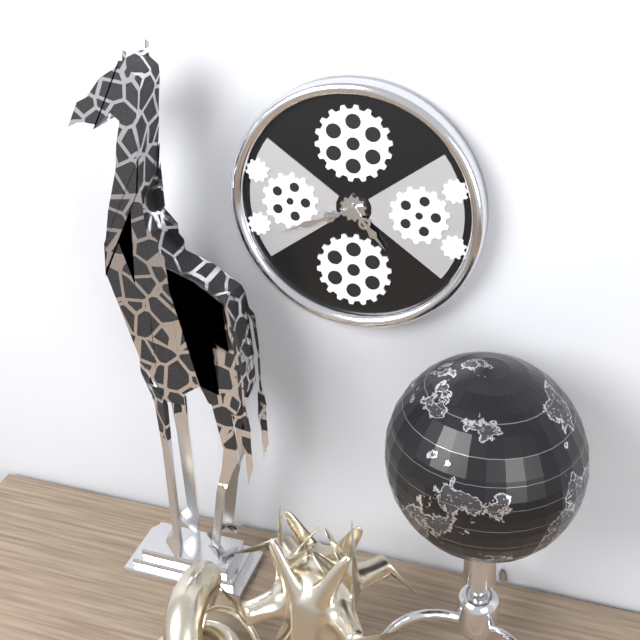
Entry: **4:41**
